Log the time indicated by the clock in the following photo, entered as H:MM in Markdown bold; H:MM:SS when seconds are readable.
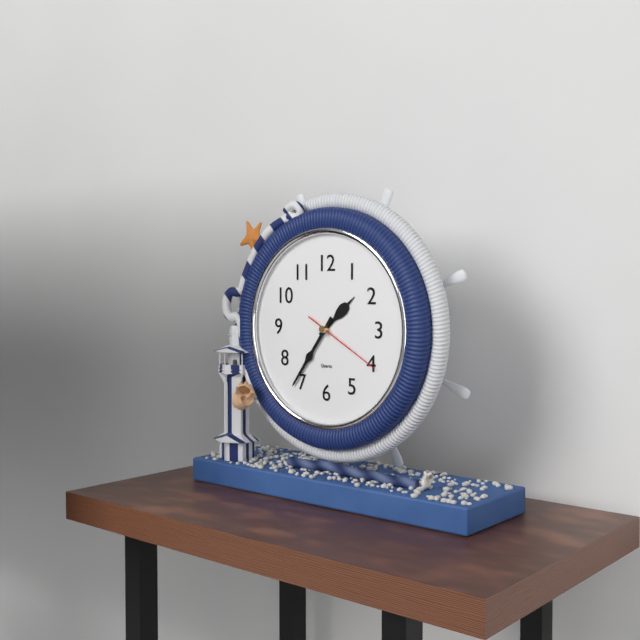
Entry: **1:36:20**
